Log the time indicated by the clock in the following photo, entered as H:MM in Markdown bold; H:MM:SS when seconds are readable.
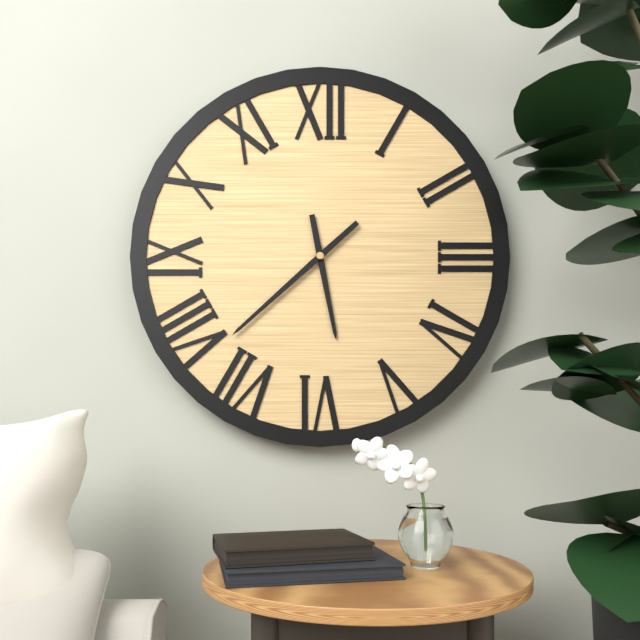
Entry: **5:38**
